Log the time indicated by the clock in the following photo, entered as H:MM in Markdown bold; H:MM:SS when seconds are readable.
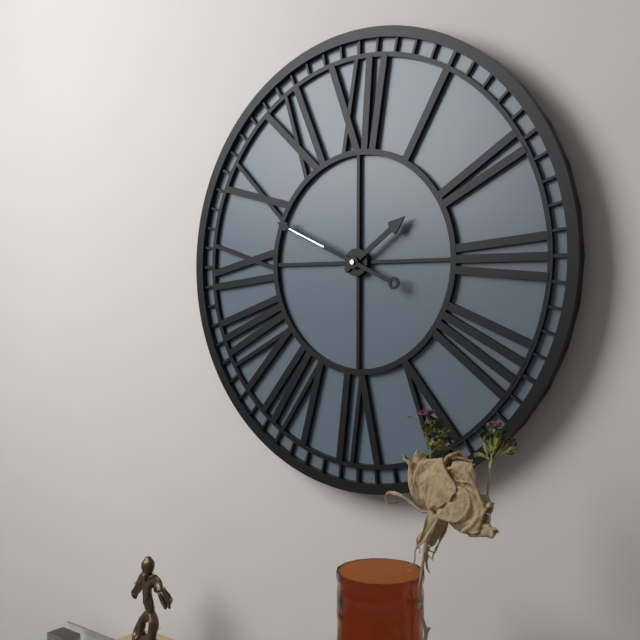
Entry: **1:49**
